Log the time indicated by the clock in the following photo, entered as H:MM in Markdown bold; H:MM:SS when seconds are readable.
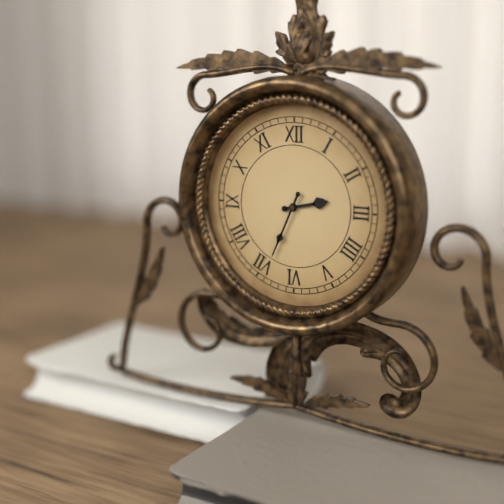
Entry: **2:34**
